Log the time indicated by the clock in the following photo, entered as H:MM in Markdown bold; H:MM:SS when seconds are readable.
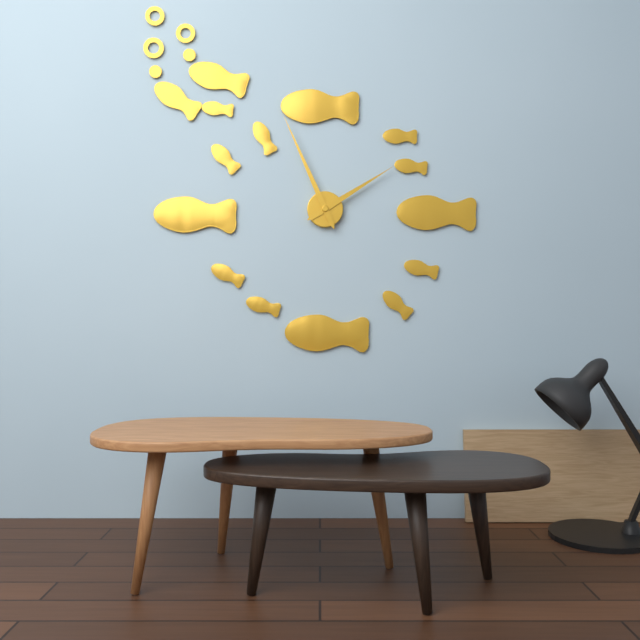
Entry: **1:56**
